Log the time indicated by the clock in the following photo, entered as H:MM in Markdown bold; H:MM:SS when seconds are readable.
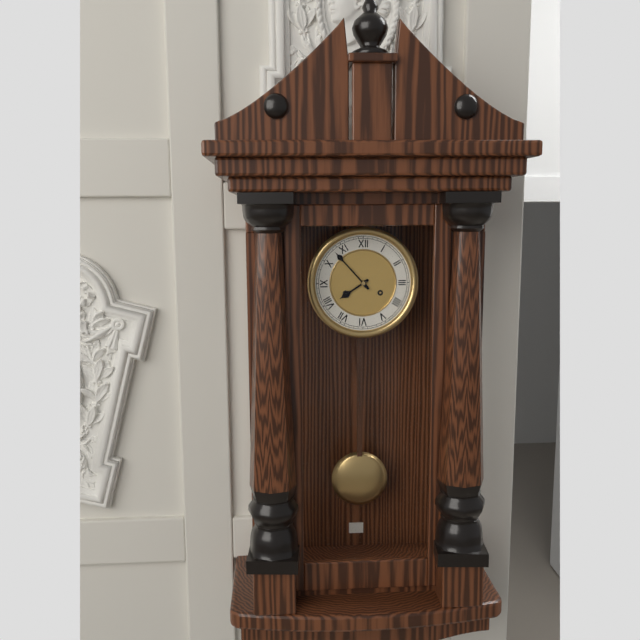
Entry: **7:53**
